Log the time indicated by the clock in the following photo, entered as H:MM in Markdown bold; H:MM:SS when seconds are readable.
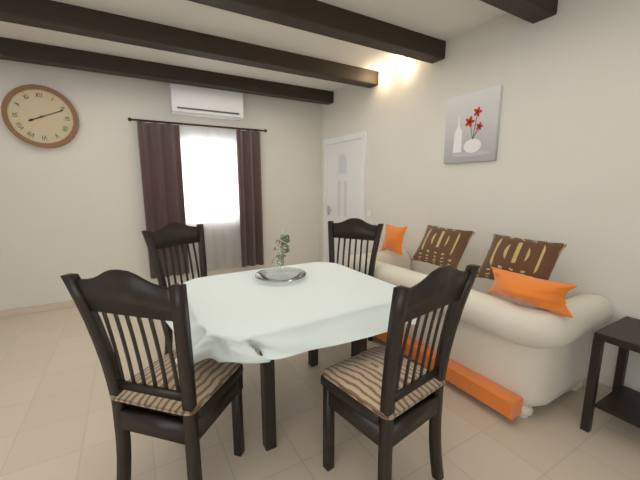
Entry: **8:11**
